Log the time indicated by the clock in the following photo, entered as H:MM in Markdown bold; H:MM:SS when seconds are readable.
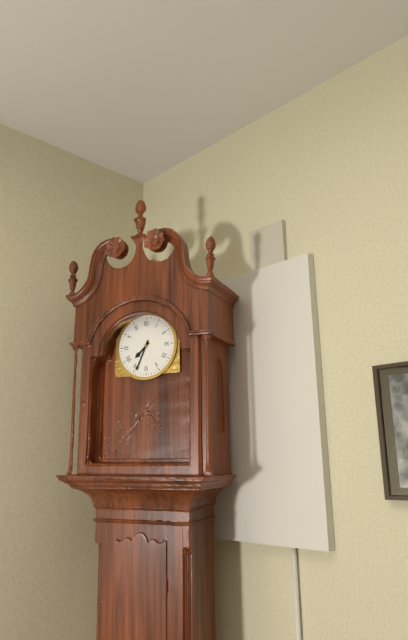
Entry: **7:34**
